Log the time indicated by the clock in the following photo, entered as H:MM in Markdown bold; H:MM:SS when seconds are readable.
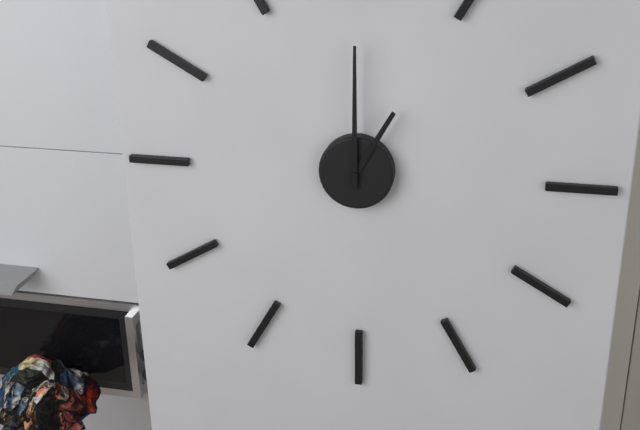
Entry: **1:00**
